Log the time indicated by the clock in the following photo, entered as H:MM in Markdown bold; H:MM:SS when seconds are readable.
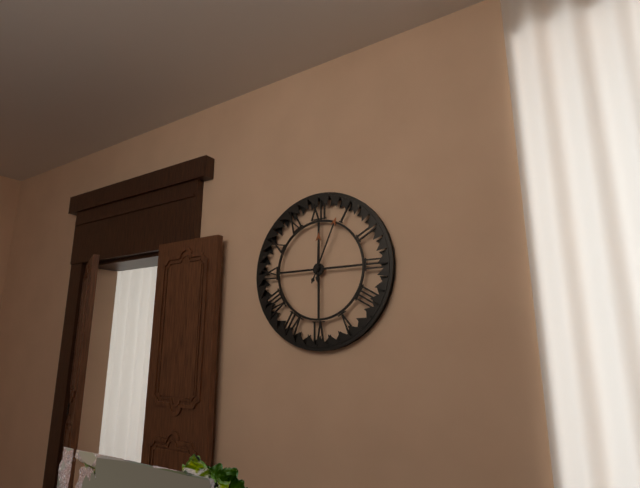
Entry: **12:04**
